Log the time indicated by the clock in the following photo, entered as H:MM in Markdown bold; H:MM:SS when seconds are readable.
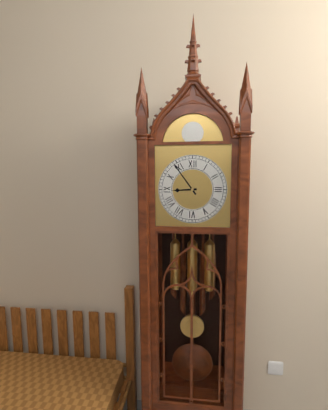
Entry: **8:54**
